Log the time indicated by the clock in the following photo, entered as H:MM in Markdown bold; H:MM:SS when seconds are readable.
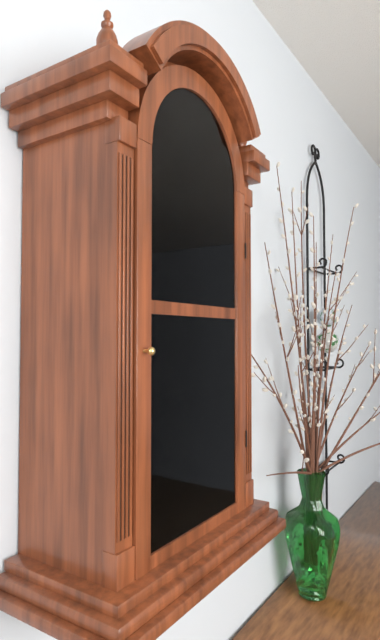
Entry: **7:16**
